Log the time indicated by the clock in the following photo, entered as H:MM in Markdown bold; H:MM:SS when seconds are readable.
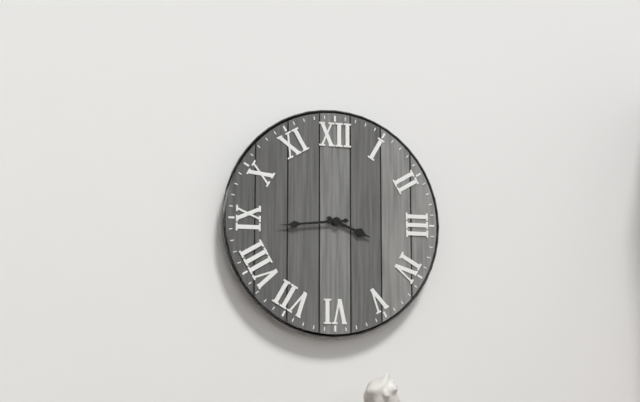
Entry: **3:44**
